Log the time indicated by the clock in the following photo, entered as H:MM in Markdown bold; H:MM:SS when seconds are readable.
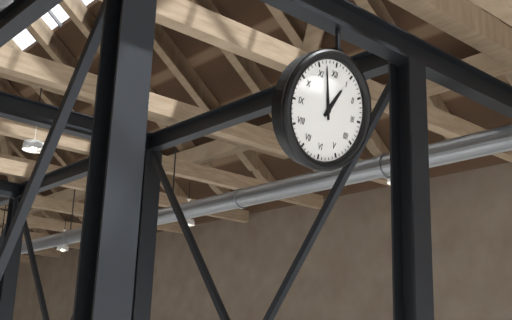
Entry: **12:57**
